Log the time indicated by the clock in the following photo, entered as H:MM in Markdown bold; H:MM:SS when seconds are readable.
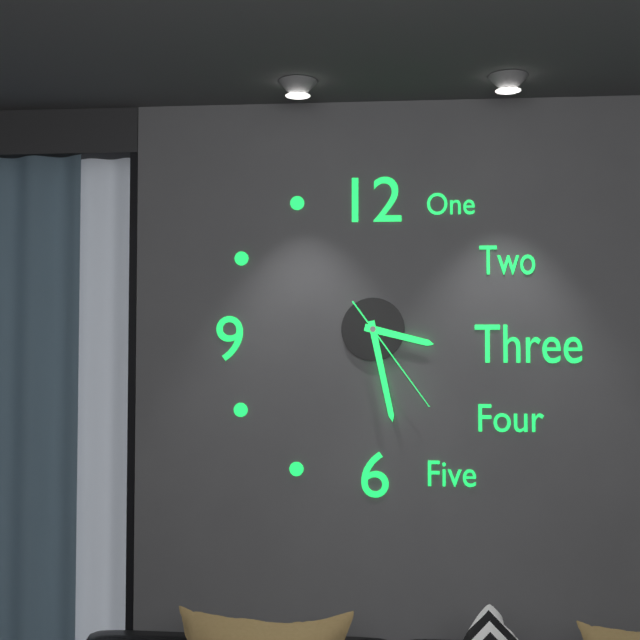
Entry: **3:28:24**
